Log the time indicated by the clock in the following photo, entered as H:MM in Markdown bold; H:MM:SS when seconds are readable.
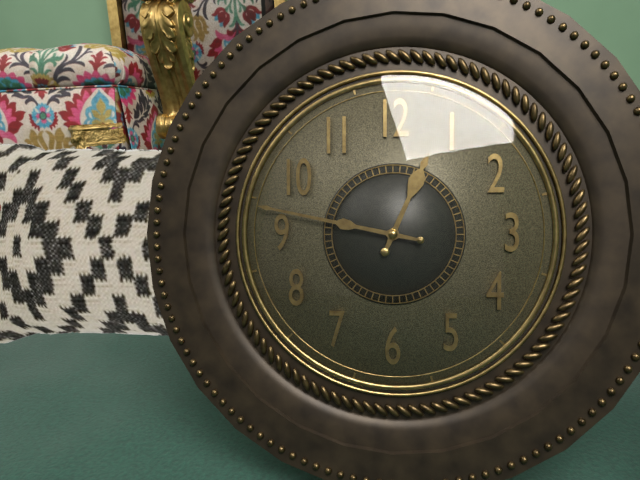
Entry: **12:47**
